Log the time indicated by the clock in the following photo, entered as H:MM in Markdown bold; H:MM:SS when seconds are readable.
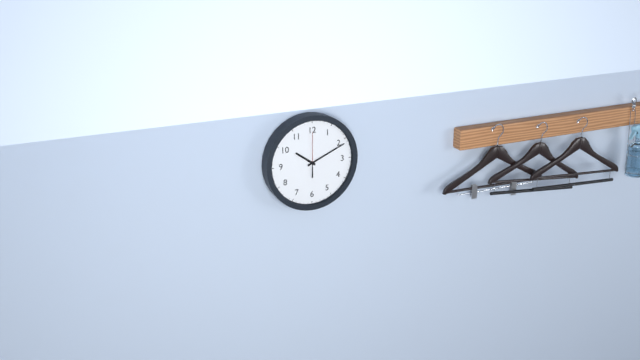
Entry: **10:11**
